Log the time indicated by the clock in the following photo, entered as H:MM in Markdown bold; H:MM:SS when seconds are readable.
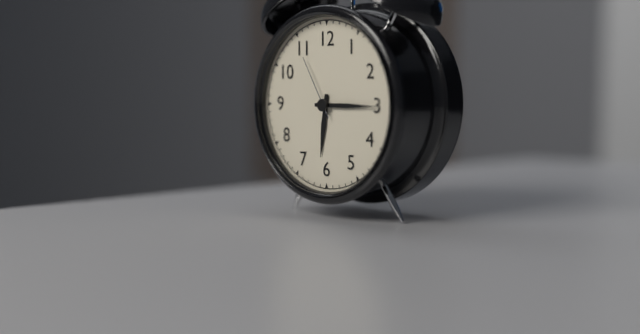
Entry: **6:15:55**
